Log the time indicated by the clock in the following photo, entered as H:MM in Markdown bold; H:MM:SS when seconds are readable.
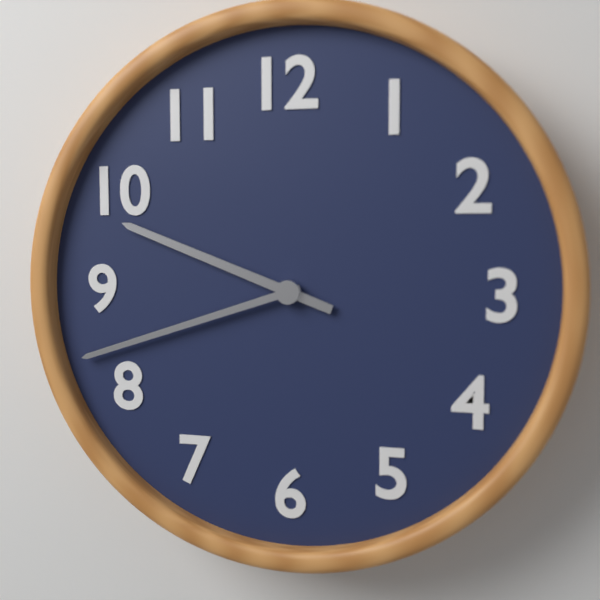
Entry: **9:42**
